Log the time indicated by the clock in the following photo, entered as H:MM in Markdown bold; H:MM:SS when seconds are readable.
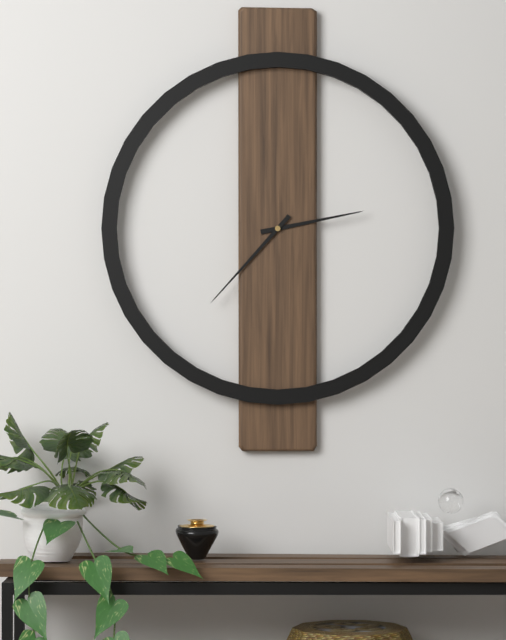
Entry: **2:37**
